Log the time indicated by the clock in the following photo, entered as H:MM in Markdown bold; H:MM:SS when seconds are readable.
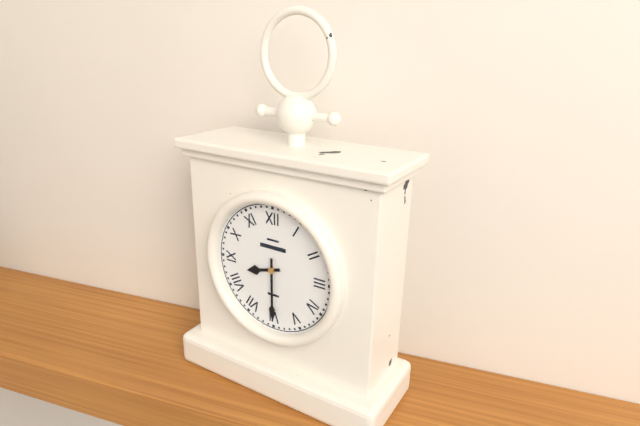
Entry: **8:30**
